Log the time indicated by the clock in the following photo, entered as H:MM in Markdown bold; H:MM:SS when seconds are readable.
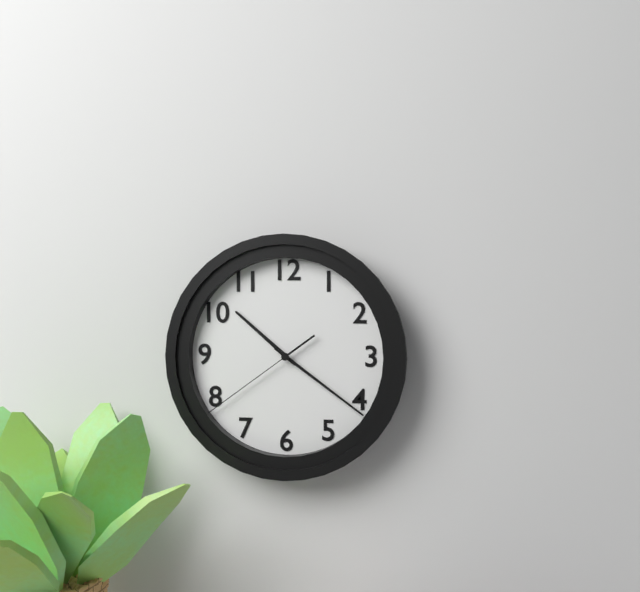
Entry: **10:21:39**
